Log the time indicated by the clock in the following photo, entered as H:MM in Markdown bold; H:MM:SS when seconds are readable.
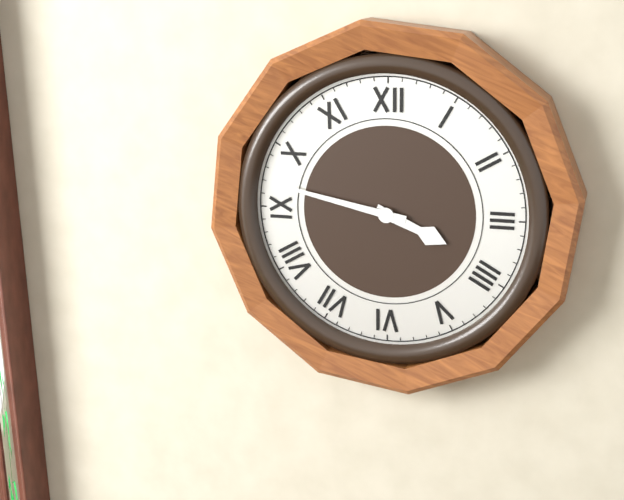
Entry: **3:47**
